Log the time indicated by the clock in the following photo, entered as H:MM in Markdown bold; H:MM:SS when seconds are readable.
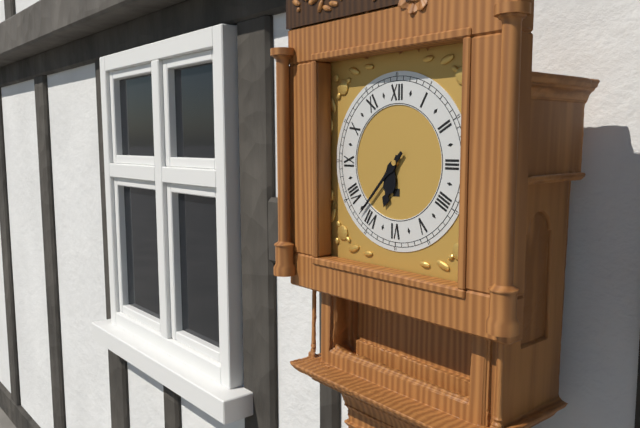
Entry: **6:37**
